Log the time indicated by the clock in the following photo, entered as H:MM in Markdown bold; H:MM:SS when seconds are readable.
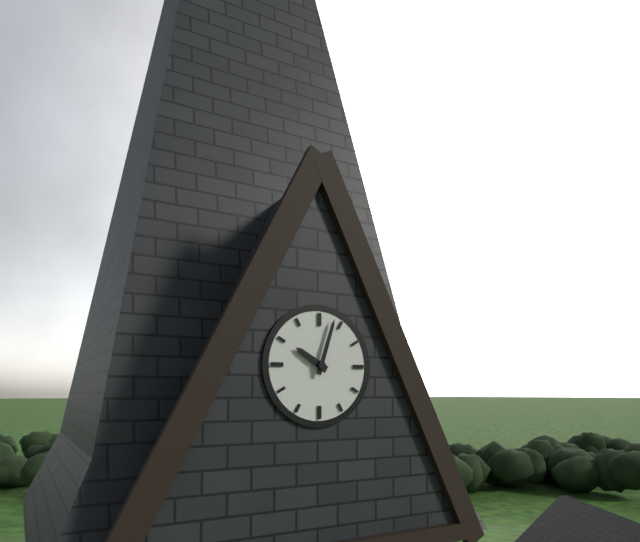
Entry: **10:03**
